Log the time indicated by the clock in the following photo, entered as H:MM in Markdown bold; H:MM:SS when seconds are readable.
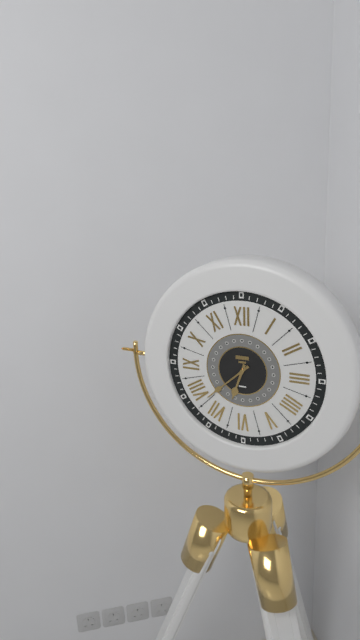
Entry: **6:38**
